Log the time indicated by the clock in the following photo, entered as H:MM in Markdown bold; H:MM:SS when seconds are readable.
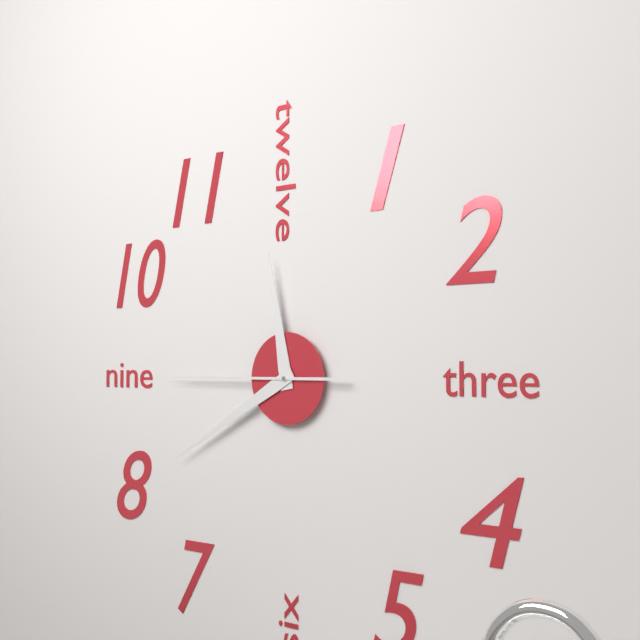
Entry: **11:40:45**
